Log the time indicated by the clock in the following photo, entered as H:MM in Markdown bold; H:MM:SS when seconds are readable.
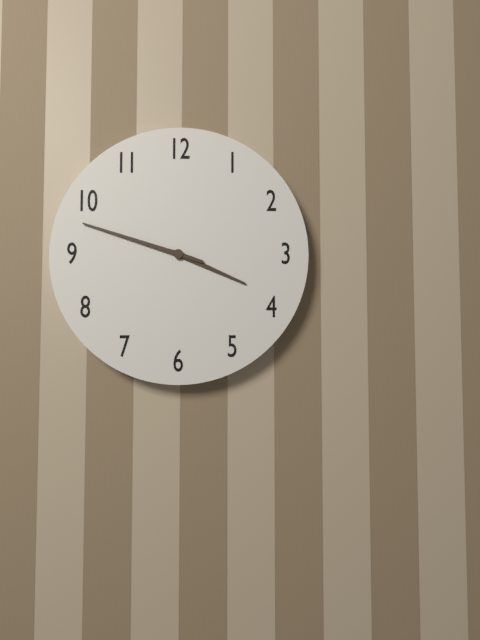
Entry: **3:48**
